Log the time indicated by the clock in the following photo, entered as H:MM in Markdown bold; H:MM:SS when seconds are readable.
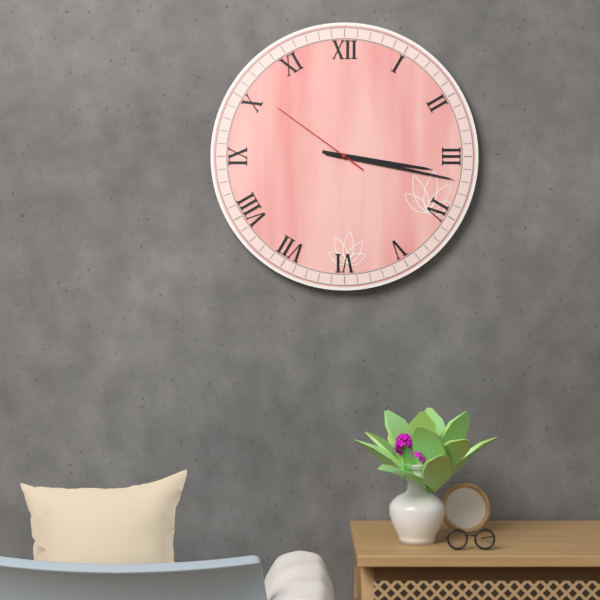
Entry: **3:17:51**
